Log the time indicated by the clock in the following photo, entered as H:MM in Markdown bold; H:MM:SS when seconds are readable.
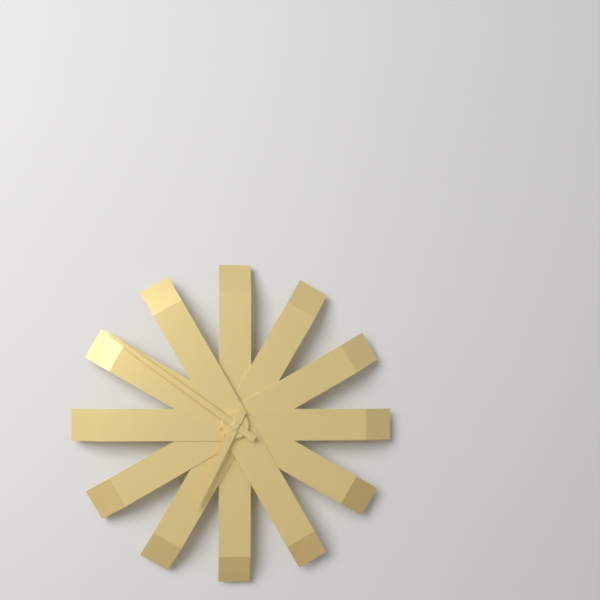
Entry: **6:51**
